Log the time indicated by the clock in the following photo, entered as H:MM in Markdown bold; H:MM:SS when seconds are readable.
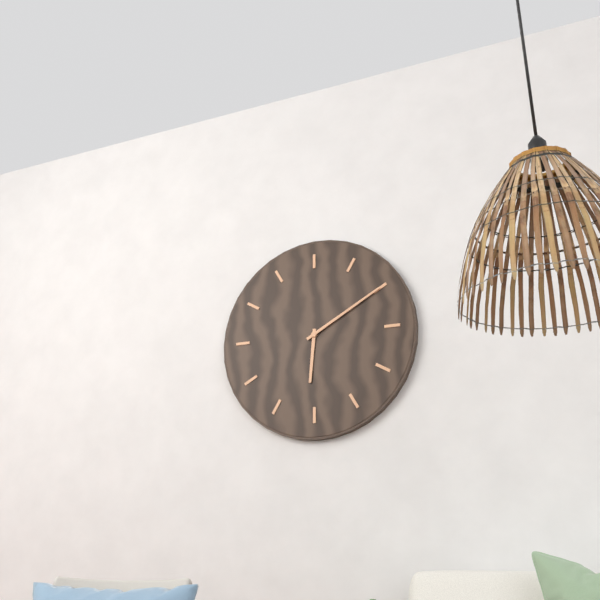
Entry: **6:10**
